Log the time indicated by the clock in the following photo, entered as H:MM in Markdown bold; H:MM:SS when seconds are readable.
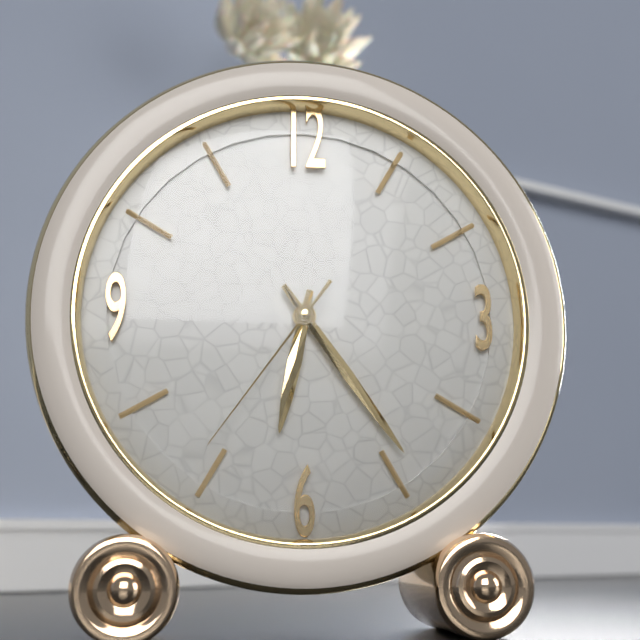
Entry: **6:24:36**
